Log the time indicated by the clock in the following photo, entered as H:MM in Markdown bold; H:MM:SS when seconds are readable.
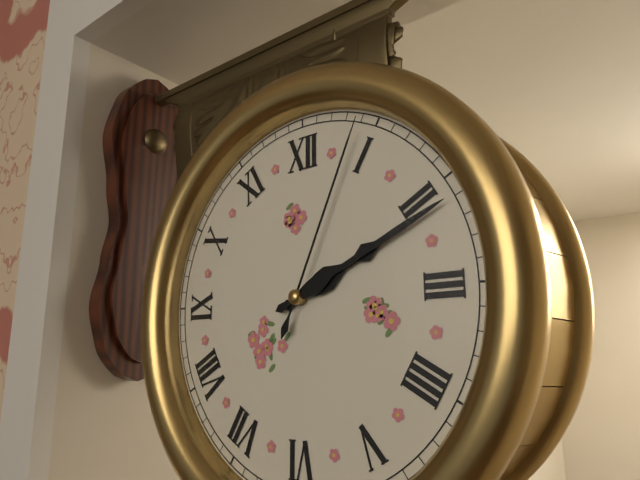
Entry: **2:11:04**
